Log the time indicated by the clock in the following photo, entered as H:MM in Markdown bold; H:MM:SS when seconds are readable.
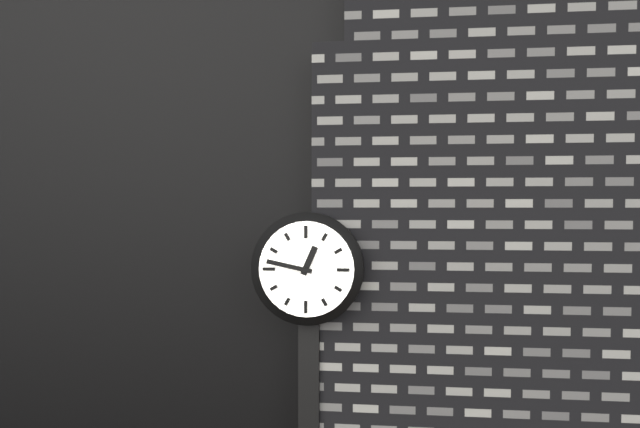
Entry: **12:47**
